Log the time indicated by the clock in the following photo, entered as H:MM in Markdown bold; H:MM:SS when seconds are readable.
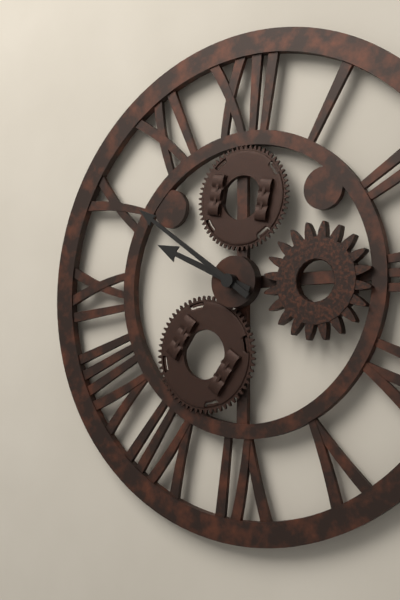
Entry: **9:51**
